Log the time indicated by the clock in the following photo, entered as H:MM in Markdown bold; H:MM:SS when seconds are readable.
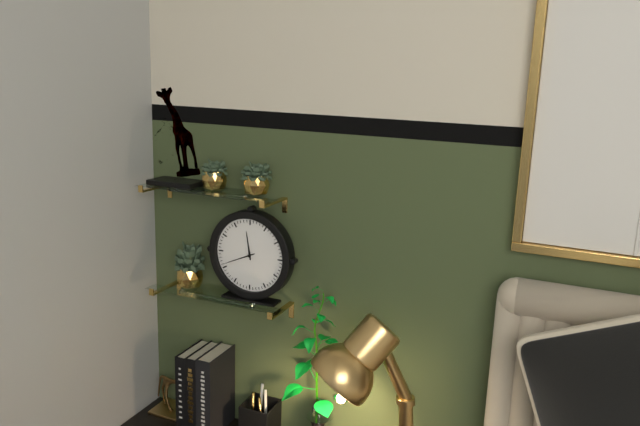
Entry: **11:41**
